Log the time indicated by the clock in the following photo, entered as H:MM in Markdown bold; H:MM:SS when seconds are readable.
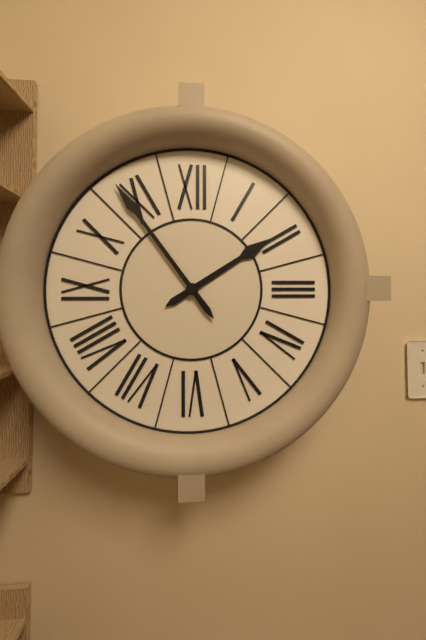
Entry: **1:54**
